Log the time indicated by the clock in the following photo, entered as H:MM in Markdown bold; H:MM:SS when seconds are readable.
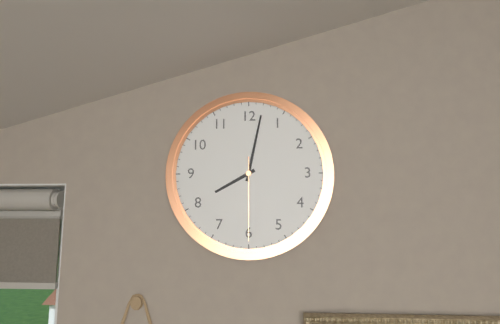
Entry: **8:02:30**
